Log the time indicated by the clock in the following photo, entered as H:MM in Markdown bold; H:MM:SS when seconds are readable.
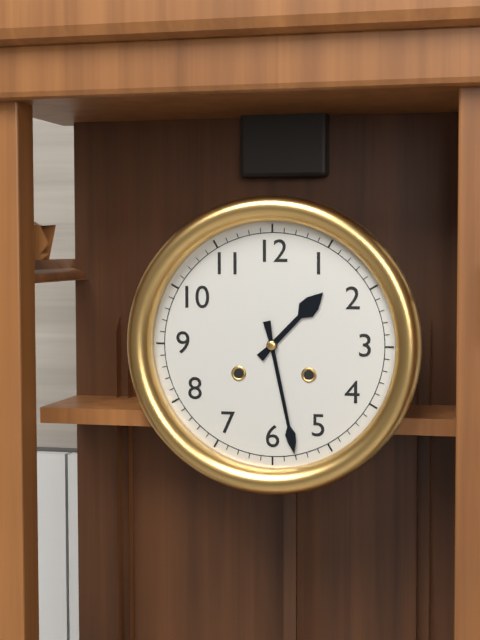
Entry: **1:28**
